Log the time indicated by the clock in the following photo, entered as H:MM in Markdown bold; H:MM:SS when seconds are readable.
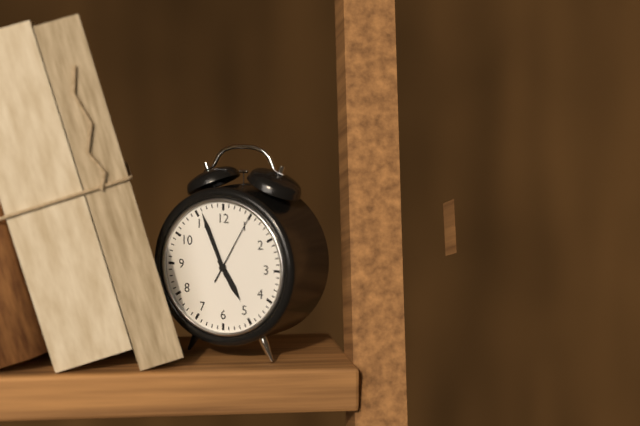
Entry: **4:56:05**
